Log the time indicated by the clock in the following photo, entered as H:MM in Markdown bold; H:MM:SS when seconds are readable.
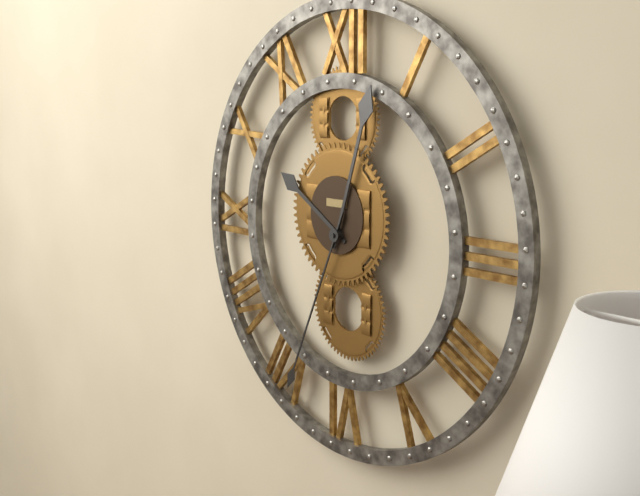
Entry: **10:03:34**
